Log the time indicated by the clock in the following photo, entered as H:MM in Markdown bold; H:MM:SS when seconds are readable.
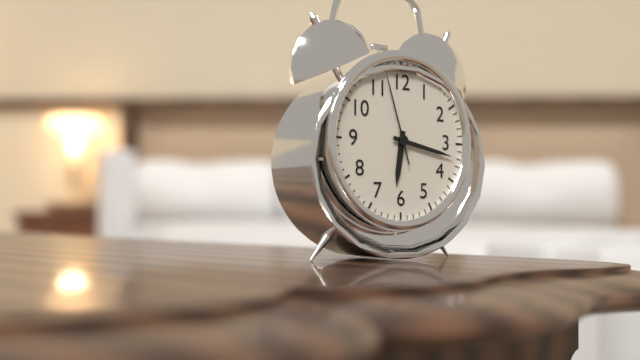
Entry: **6:17:57**
